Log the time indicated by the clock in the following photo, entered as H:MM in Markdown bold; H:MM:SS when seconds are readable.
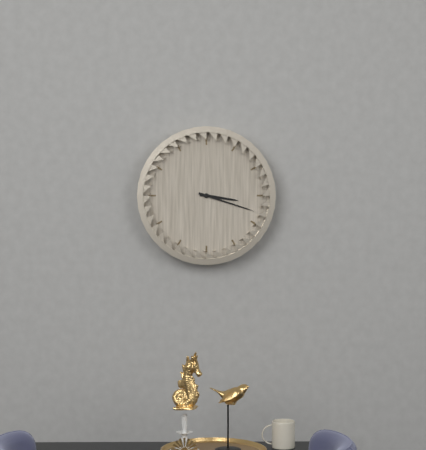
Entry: **3:18**
